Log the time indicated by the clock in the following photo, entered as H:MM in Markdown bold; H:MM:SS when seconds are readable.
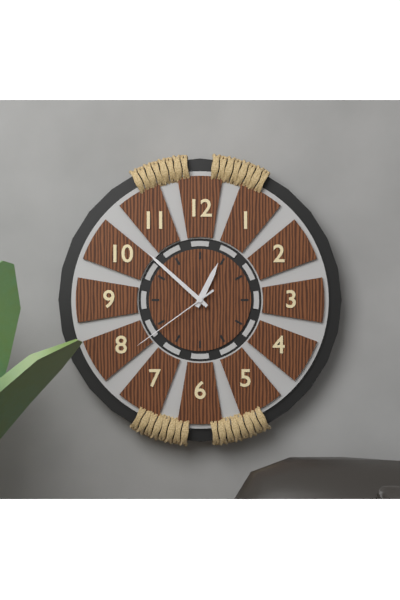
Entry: **12:52:39**
